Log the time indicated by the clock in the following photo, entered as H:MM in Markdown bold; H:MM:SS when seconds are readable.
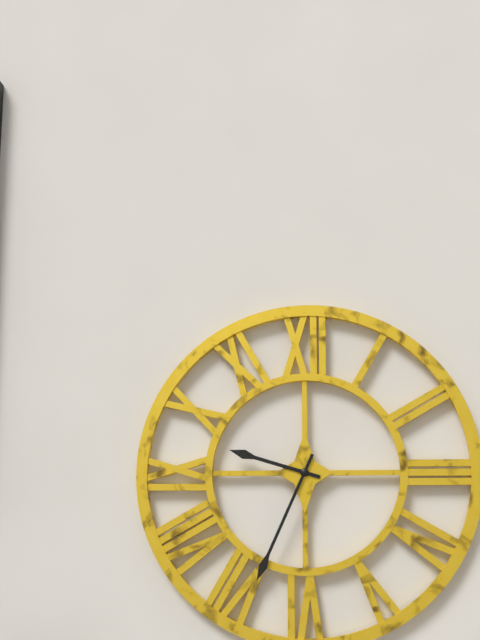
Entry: **9:34**
